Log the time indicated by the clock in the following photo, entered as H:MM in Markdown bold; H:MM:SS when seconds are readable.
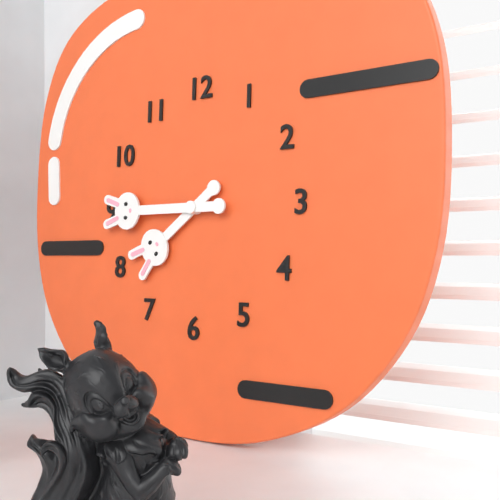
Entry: **7:45**
